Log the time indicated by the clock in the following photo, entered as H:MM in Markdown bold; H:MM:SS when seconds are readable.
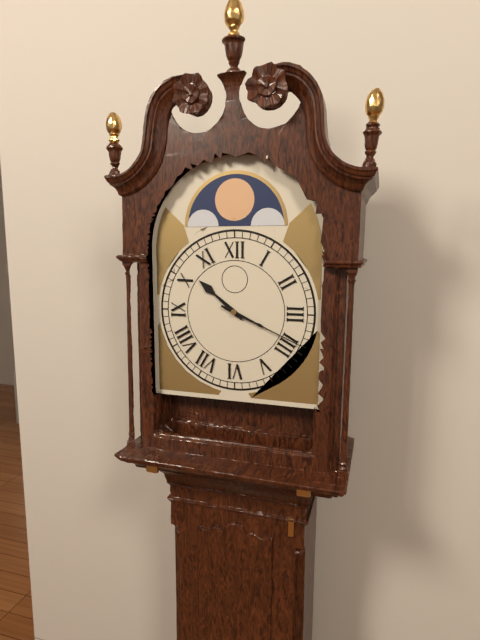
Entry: **10:19**
